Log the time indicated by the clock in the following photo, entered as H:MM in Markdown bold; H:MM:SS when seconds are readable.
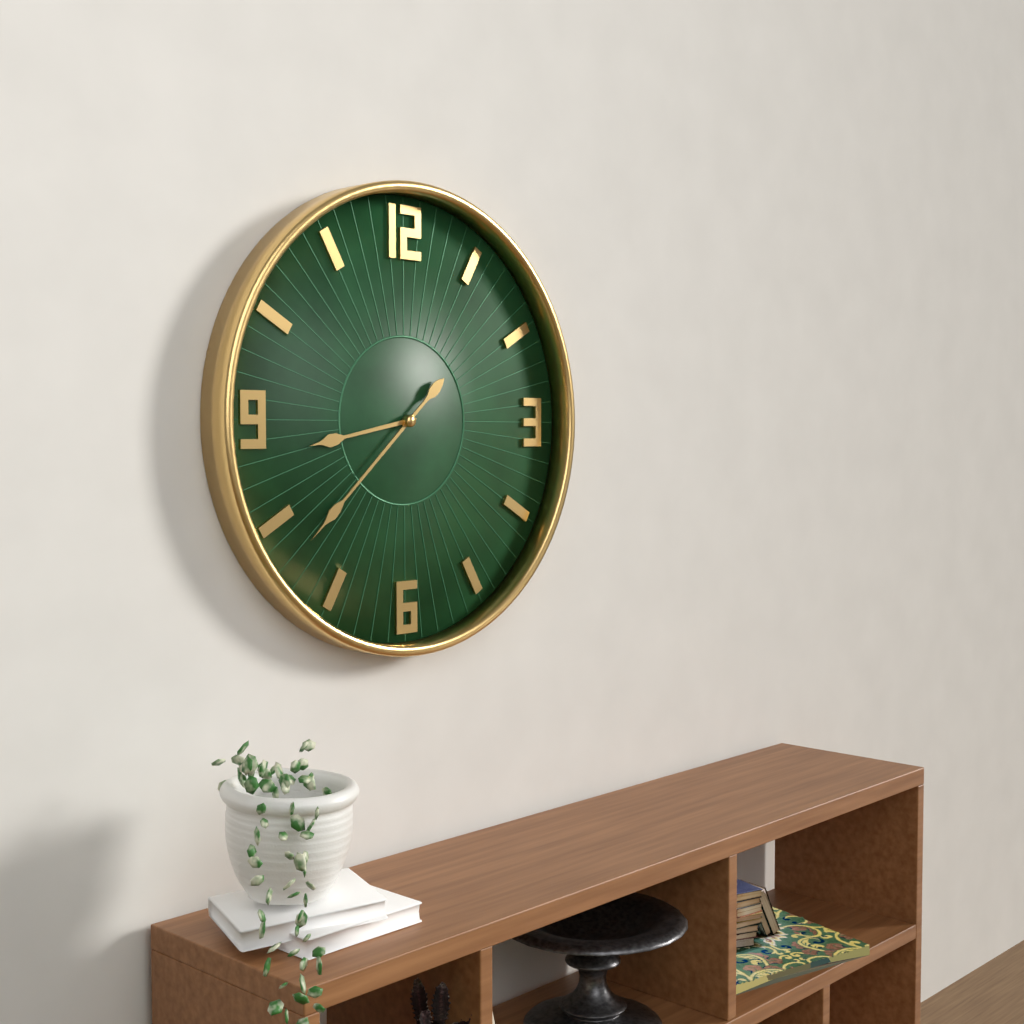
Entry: **8:38**
